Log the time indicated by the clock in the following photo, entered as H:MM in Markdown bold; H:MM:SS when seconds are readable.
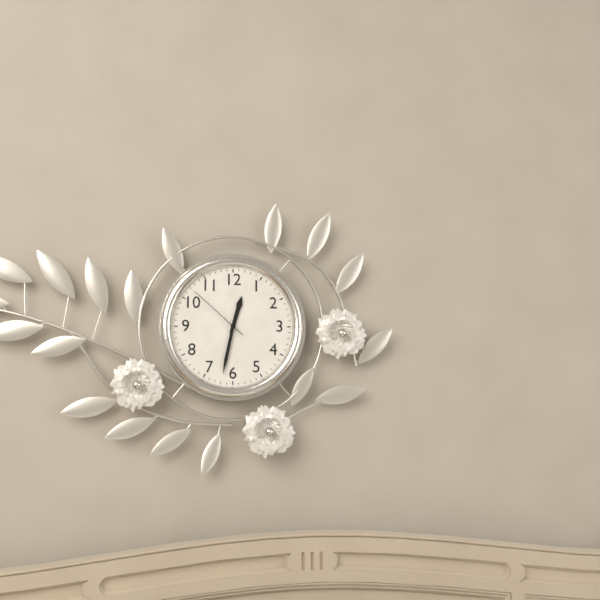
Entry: **12:32:52**
